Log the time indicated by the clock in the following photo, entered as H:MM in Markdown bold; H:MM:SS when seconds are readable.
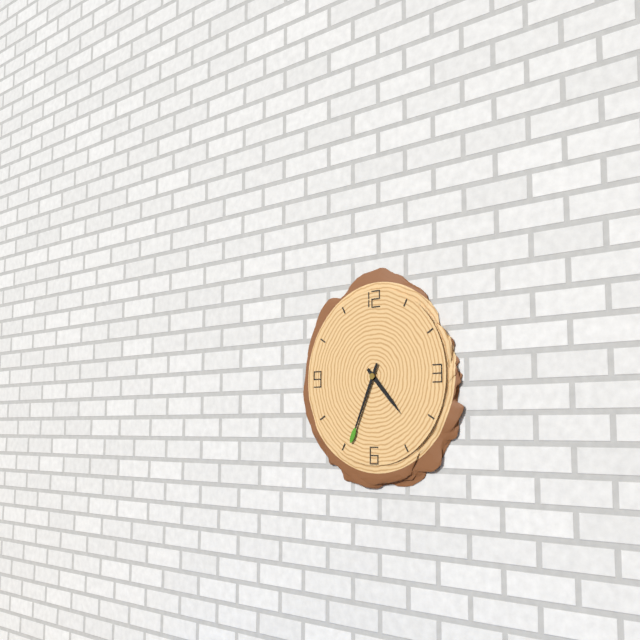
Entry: **4:34**
